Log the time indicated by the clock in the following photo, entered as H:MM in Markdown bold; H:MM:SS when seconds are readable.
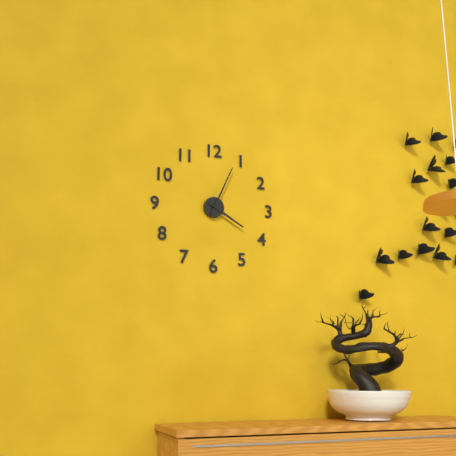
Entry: **4:04**
